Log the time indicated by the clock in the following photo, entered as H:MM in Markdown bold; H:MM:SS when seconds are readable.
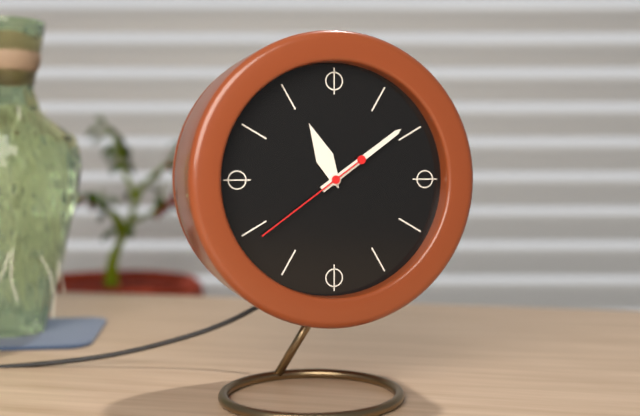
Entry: **11:09:39**
